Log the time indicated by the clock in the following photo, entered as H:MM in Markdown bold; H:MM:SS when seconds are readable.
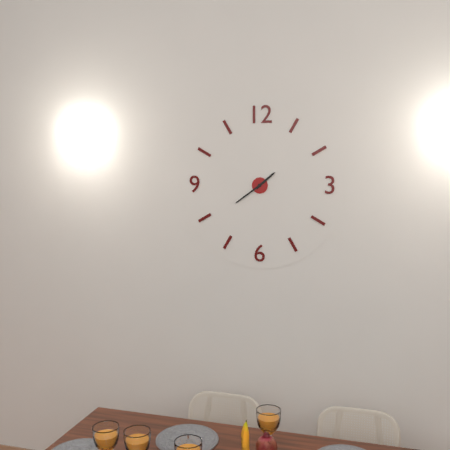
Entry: **1:39**
